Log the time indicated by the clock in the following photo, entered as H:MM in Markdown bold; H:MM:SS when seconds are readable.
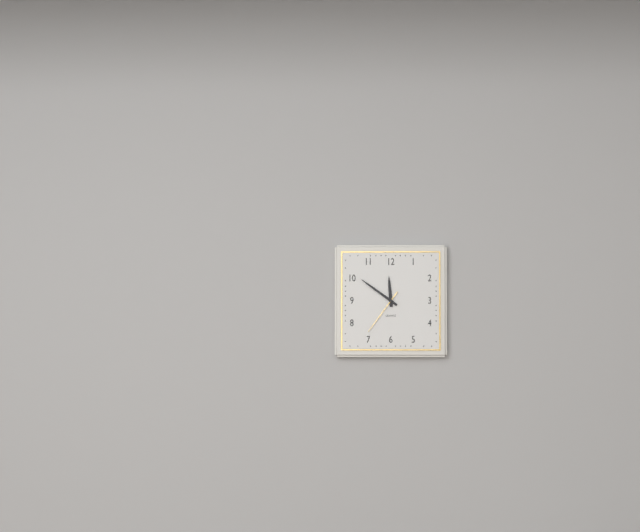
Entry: **11:51**
